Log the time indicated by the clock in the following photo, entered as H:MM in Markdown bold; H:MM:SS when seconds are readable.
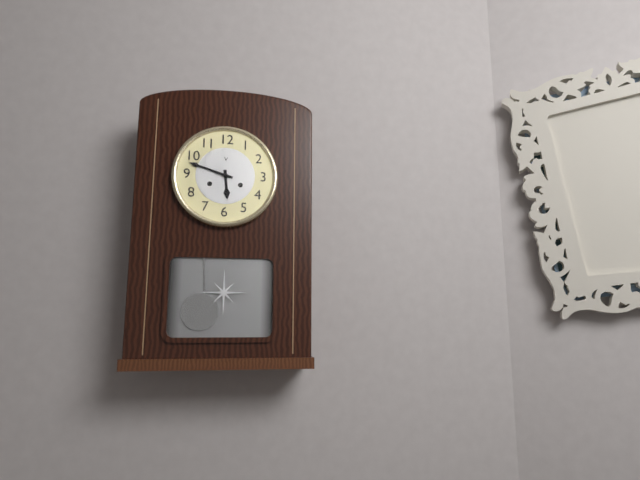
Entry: **5:48**
